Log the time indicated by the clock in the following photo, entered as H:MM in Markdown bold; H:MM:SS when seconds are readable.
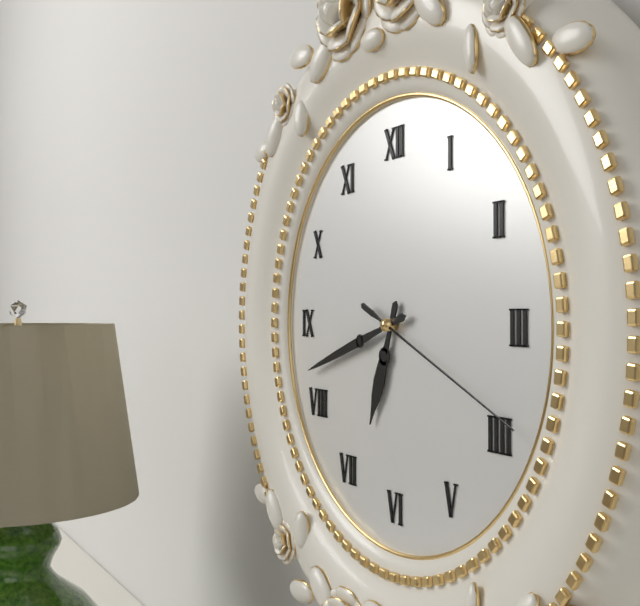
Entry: **6:42:19**
